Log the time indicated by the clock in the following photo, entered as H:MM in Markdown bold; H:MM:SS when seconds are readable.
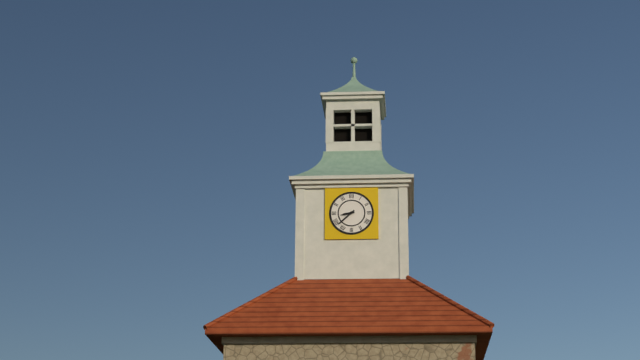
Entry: **8:38**
